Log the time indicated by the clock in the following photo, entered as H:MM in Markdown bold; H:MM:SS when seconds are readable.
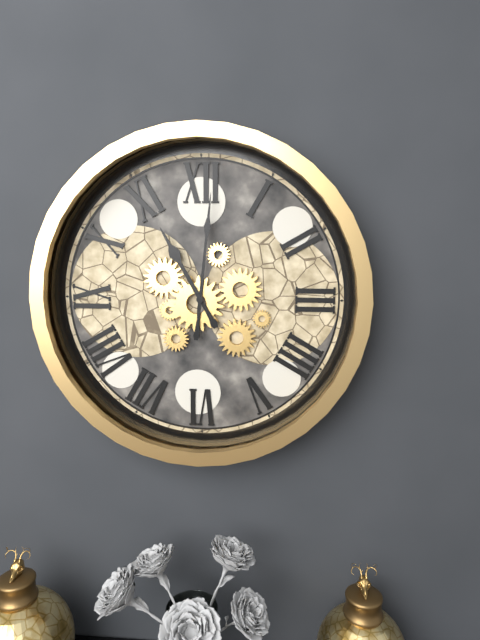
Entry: **11:01**
